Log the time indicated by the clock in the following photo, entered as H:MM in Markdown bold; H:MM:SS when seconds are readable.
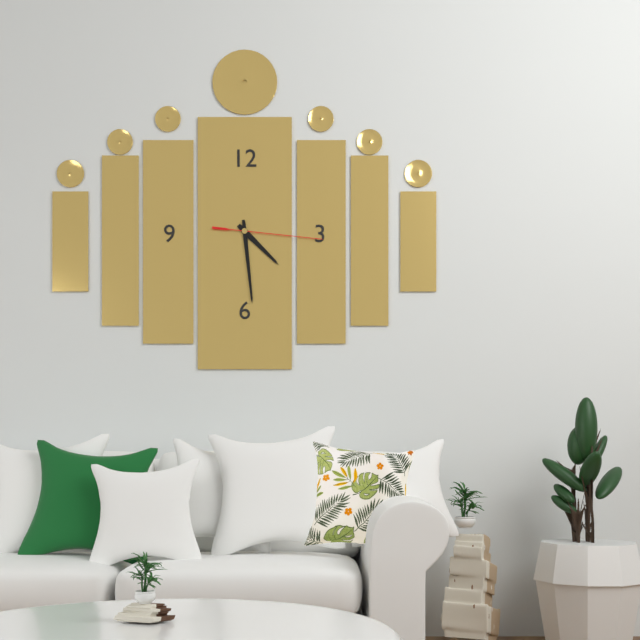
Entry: **4:29:16**
